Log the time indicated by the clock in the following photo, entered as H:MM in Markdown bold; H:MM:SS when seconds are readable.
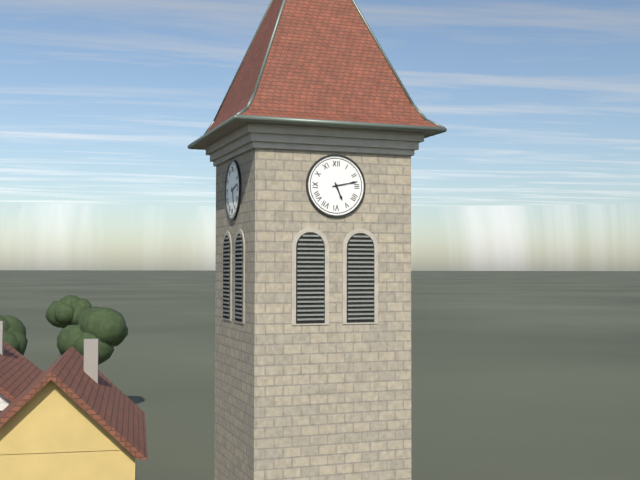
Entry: **5:13**
